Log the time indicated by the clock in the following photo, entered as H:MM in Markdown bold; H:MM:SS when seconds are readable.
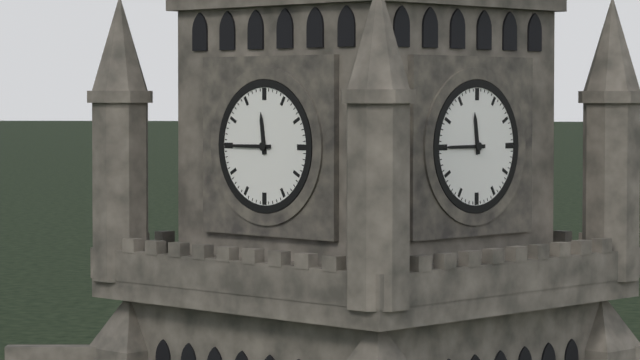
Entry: **11:45**
